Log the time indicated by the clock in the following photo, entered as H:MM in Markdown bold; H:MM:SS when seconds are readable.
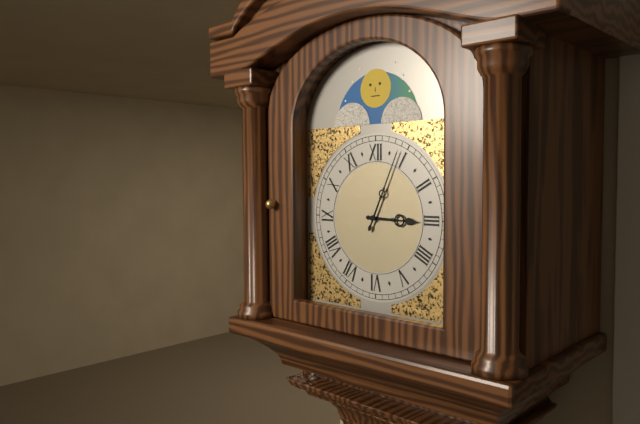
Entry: **3:04**
